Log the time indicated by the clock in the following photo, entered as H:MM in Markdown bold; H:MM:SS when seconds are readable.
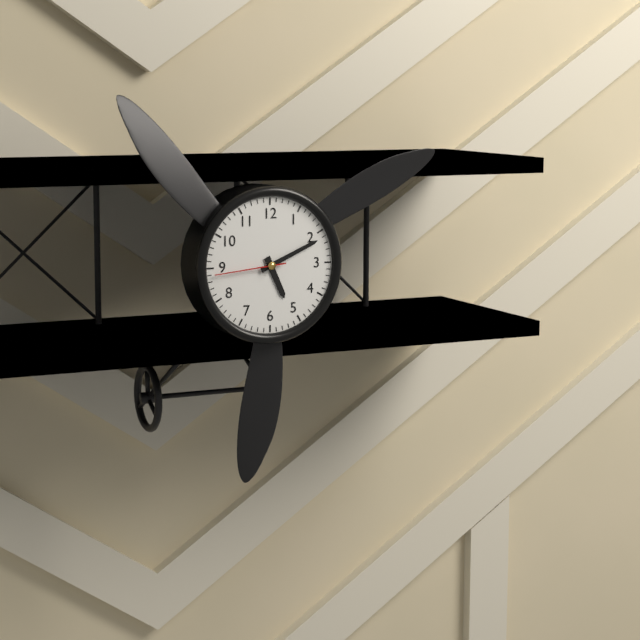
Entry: **5:11:44**
